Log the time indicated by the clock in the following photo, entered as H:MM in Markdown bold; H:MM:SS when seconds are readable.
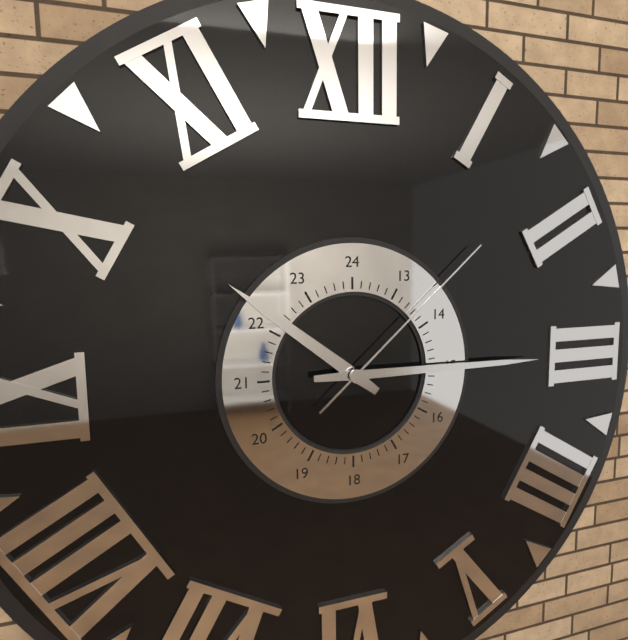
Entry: **10:15:08**
